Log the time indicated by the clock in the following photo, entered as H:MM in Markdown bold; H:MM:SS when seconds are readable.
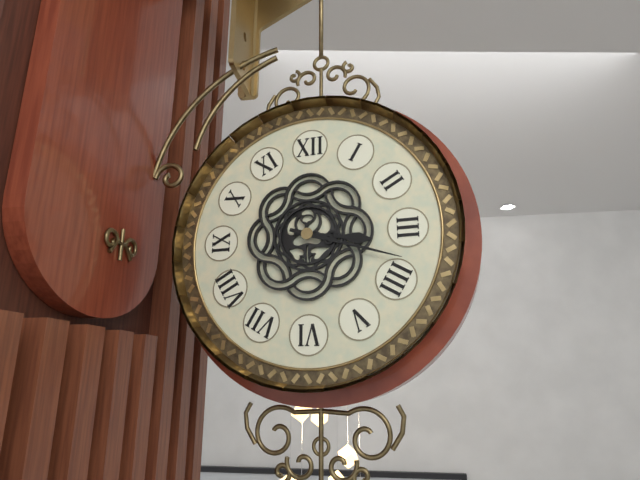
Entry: **3:18**
